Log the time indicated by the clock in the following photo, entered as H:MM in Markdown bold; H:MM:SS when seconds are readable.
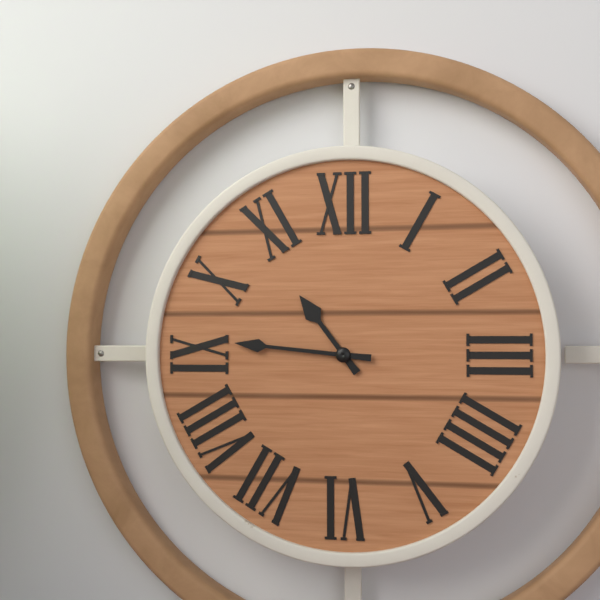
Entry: **10:46**
